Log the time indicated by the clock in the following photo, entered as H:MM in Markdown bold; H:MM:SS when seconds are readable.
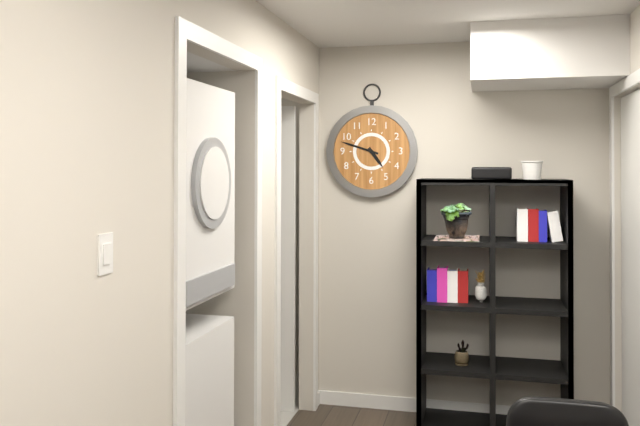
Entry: **4:48**
